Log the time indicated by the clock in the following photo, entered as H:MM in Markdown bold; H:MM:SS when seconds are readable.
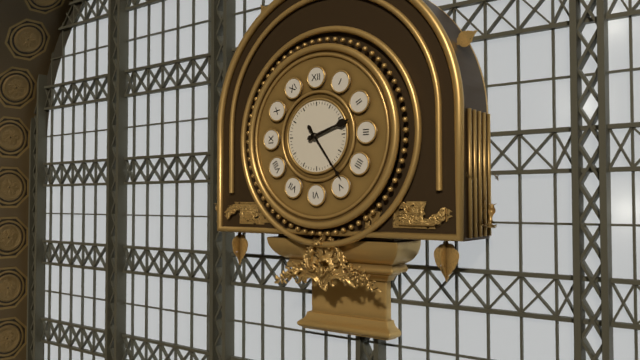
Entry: **2:24**
